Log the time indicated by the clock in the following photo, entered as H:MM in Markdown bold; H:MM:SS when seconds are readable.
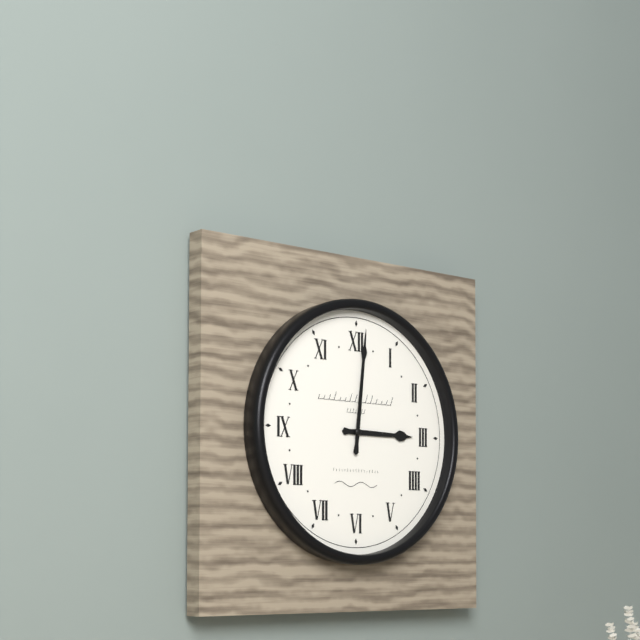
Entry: **3:01**
